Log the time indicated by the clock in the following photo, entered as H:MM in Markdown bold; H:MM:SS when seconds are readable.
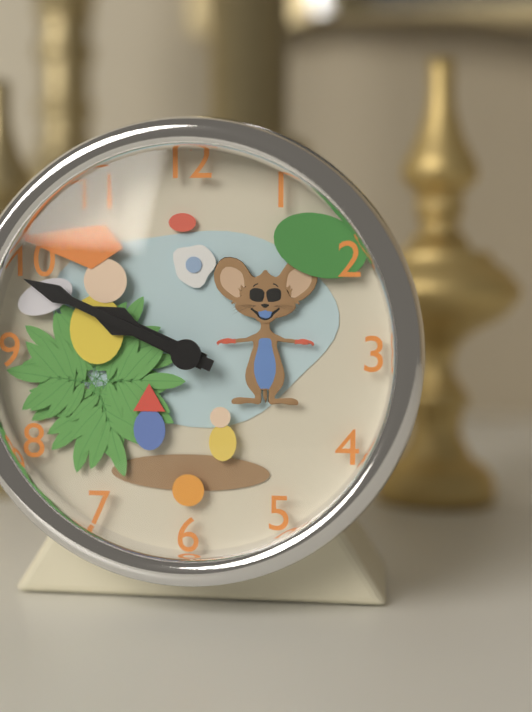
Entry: **9:49**
